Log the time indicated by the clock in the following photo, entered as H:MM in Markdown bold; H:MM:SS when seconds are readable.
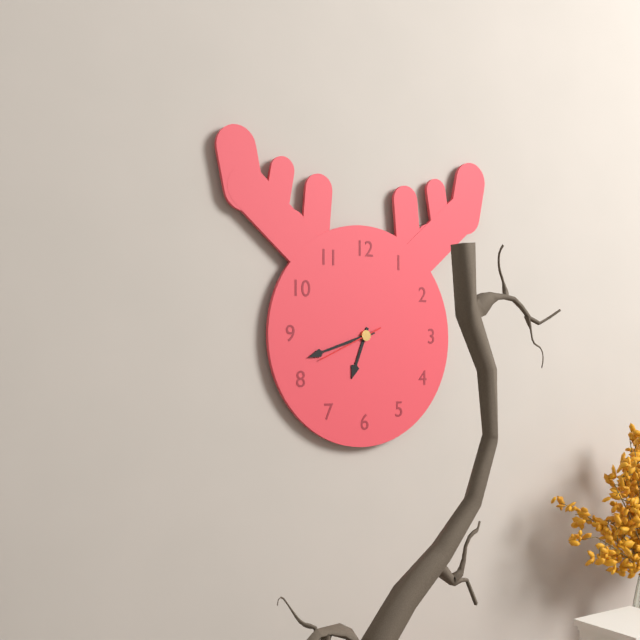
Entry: **6:42:41**
